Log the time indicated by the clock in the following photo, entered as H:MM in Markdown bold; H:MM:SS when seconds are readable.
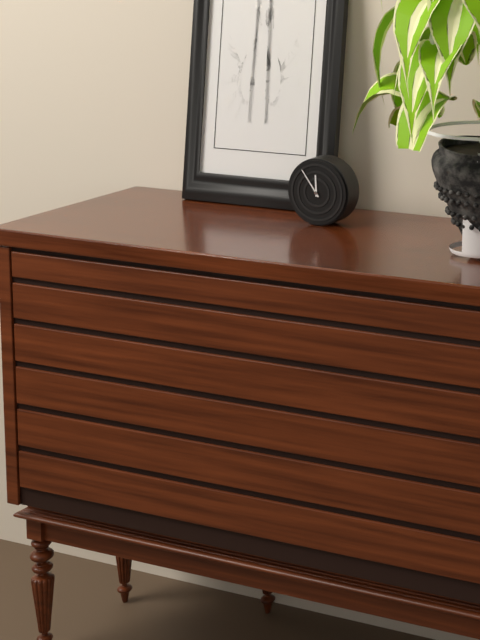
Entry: **11:54**
